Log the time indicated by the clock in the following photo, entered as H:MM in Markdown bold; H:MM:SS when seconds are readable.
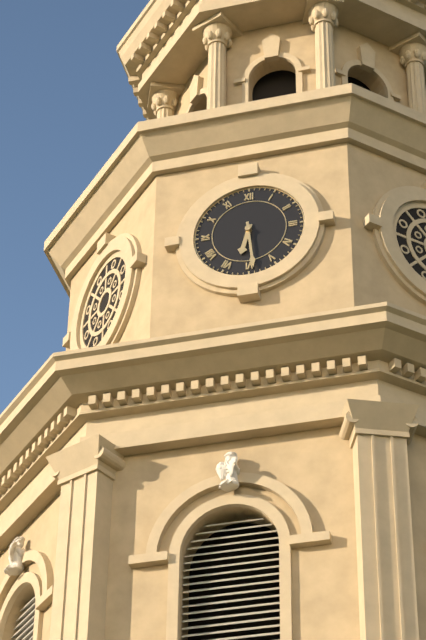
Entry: **6:29**
